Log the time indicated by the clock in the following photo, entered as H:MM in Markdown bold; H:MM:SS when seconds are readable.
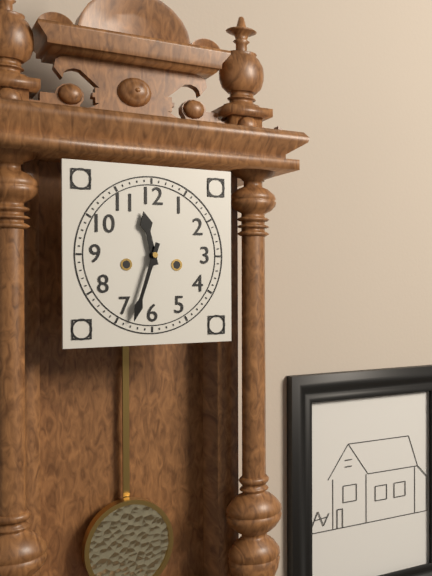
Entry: **11:33**
